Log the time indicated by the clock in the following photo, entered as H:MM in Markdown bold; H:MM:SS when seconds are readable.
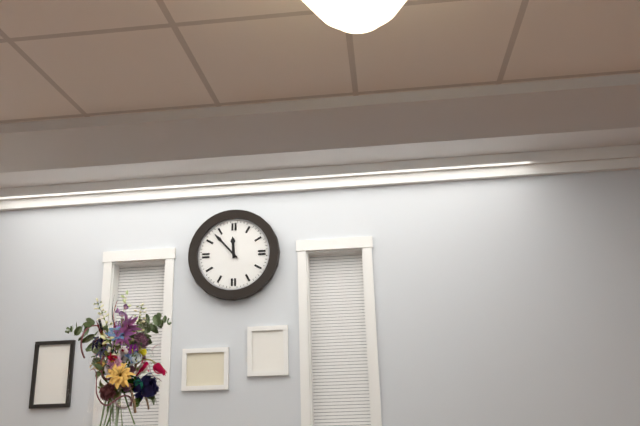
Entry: **11:53**
